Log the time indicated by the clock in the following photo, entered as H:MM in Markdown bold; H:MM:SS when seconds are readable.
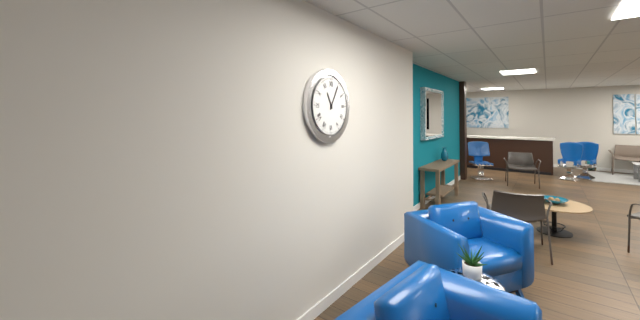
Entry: **11:05**
